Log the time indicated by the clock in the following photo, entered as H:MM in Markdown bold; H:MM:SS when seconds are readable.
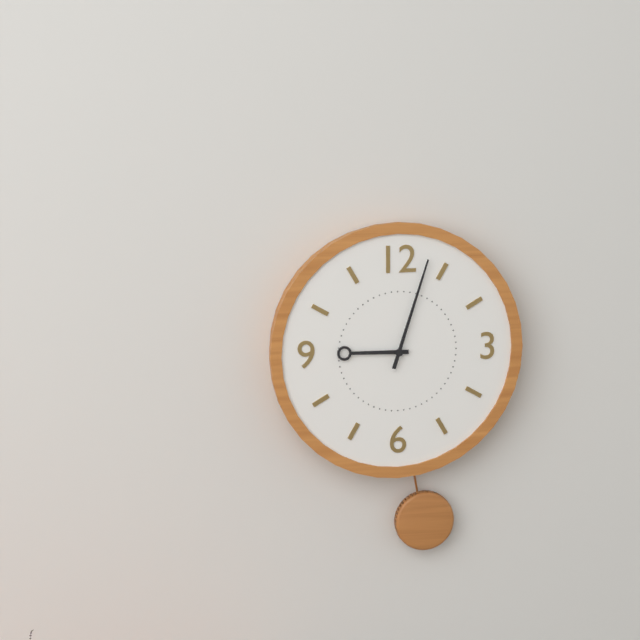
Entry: **9:03**
